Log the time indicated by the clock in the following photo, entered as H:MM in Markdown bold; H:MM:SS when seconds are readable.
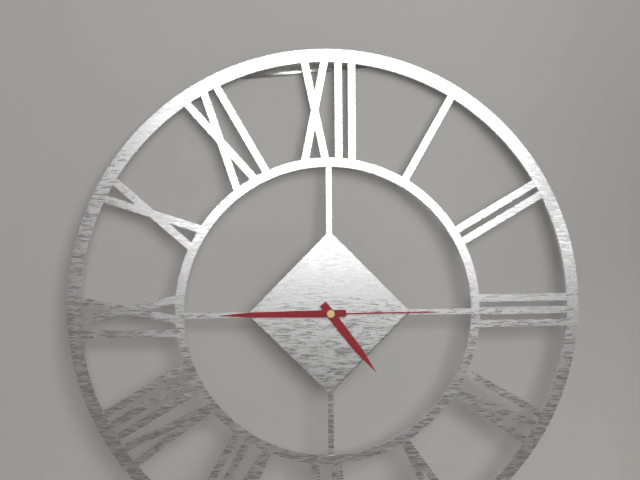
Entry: **4:45:15**
